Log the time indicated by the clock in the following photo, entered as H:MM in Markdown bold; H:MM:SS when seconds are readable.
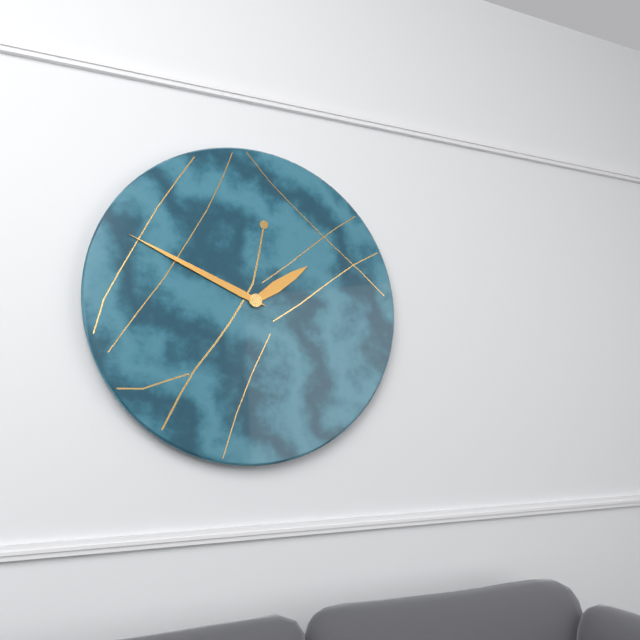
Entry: **1:49**
